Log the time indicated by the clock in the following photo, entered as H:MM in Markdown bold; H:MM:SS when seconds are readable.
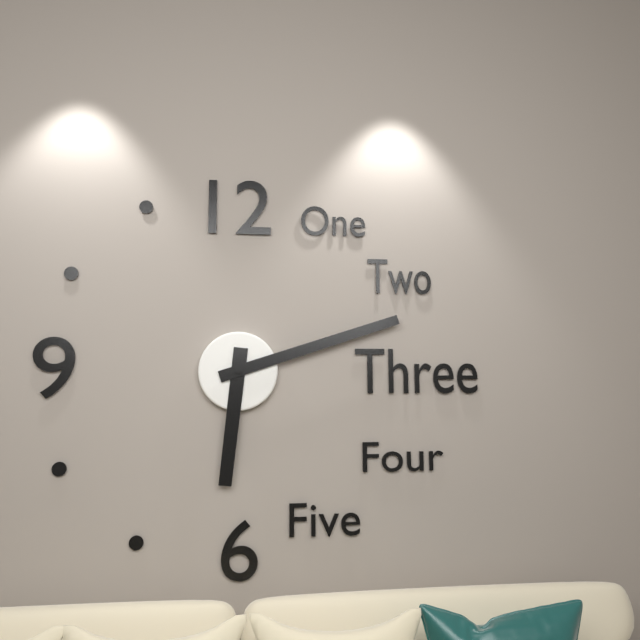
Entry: **6:12**
